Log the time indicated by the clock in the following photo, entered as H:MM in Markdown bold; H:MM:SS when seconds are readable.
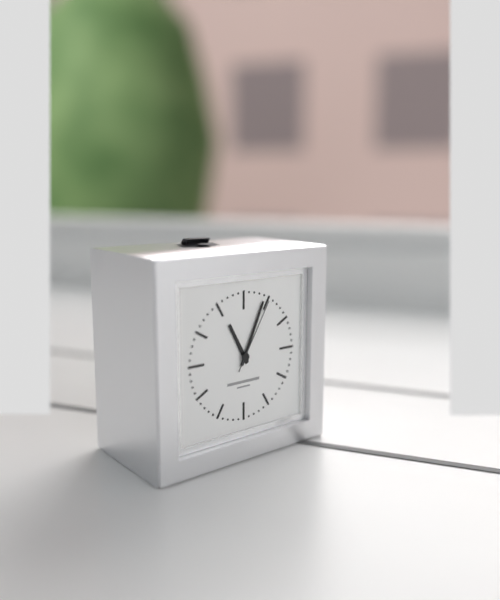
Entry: **11:04:05**
